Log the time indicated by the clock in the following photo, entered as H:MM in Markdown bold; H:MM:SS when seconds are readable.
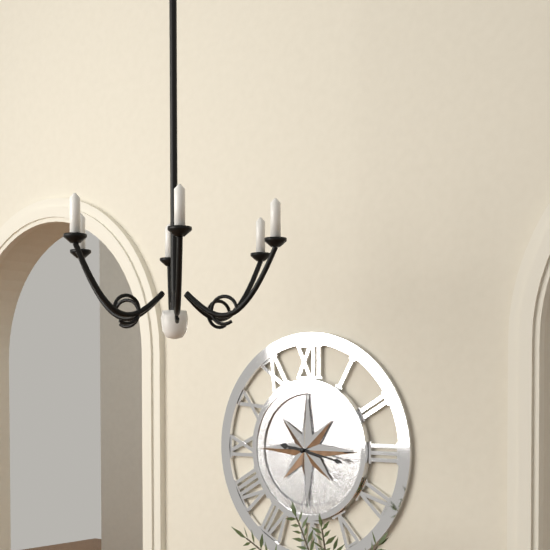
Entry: **9:17**
